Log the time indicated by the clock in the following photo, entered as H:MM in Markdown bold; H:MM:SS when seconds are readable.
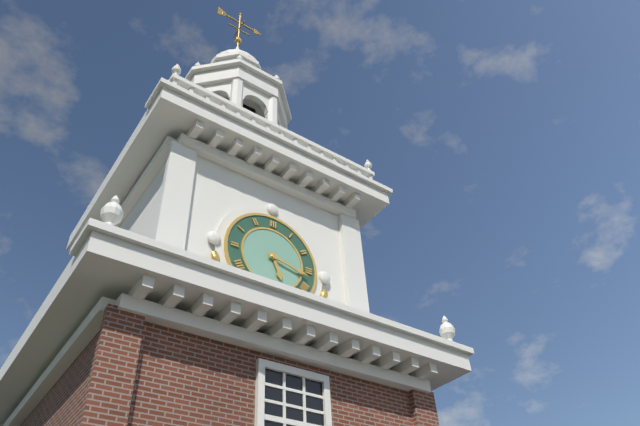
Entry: **5:17**
